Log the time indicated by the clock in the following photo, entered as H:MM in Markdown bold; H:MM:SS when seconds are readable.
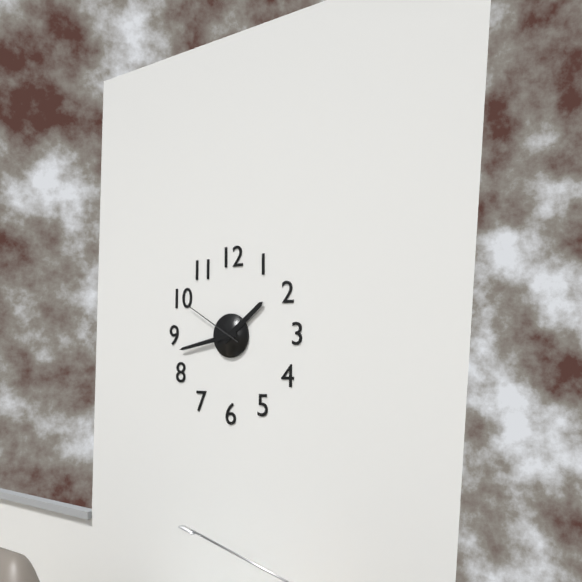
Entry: **1:43:50**
